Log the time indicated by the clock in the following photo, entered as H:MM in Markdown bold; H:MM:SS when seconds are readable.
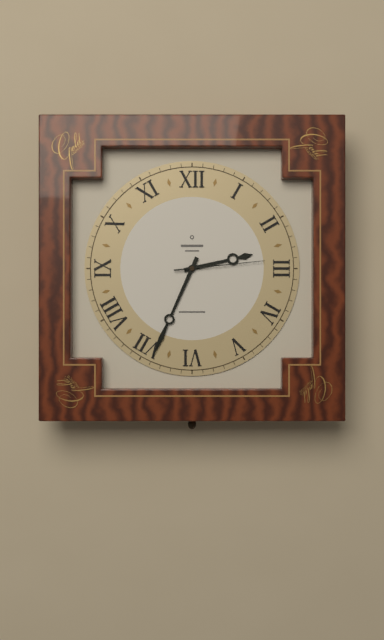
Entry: **2:34:14**
